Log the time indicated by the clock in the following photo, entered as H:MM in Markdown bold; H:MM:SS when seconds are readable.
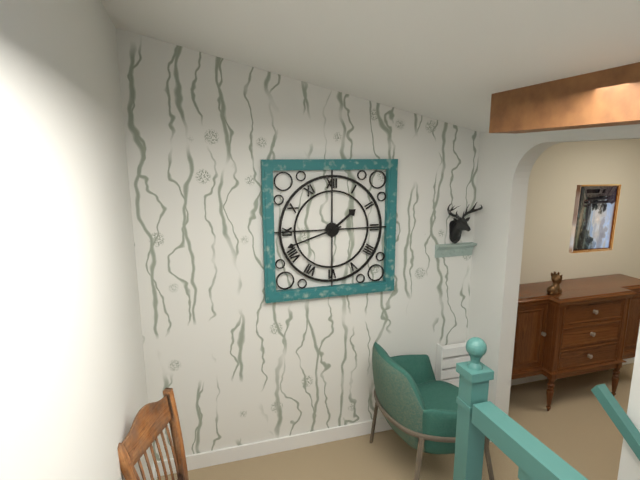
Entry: **1:42**
